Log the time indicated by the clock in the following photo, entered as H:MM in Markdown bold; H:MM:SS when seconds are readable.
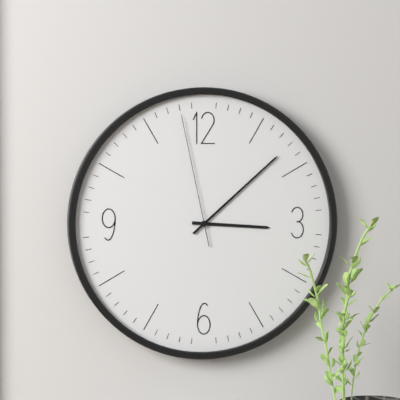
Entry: **3:08:58**
